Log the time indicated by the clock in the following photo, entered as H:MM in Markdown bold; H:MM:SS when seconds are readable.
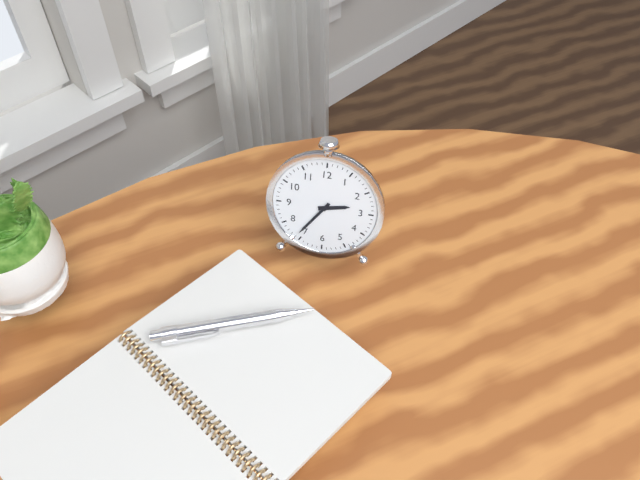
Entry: **2:36**
